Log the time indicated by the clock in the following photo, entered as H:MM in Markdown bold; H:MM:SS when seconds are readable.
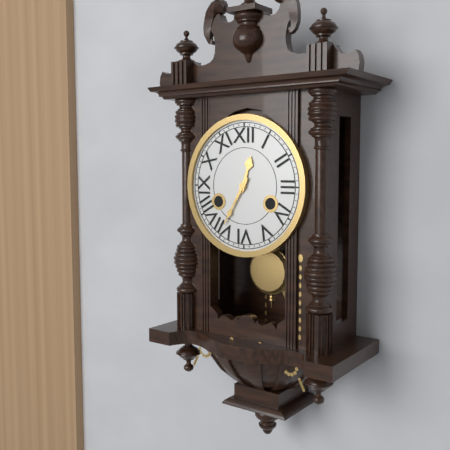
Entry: **12:35**
